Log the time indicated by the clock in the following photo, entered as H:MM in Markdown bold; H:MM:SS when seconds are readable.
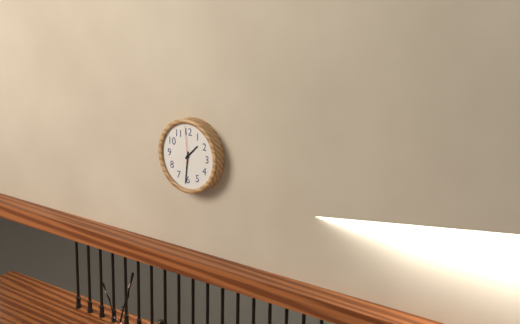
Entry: **1:31**
